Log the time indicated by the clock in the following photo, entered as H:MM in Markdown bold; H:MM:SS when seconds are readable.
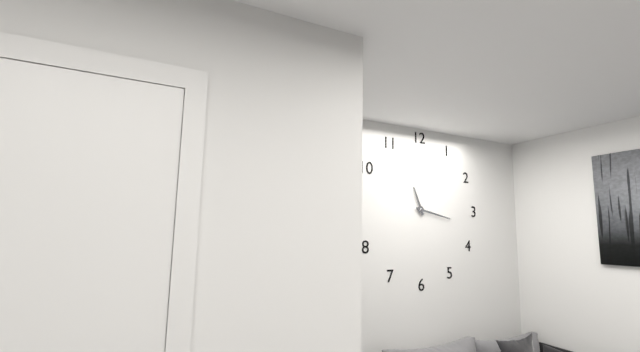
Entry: **11:17**
